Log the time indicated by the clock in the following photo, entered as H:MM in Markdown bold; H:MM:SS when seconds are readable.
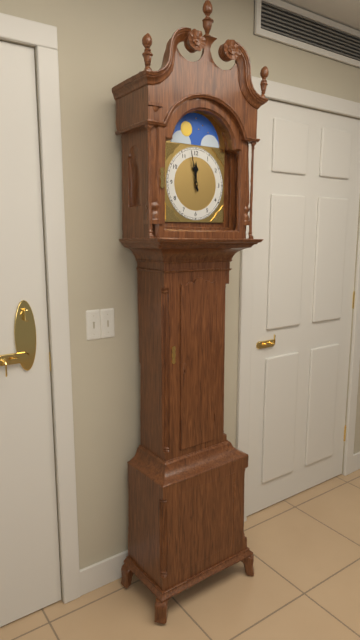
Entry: **11:58**
